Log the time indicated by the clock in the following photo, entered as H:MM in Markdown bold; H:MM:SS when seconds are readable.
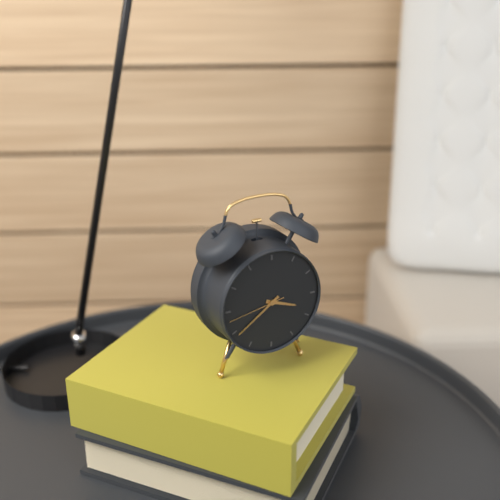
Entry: **3:39:43**
